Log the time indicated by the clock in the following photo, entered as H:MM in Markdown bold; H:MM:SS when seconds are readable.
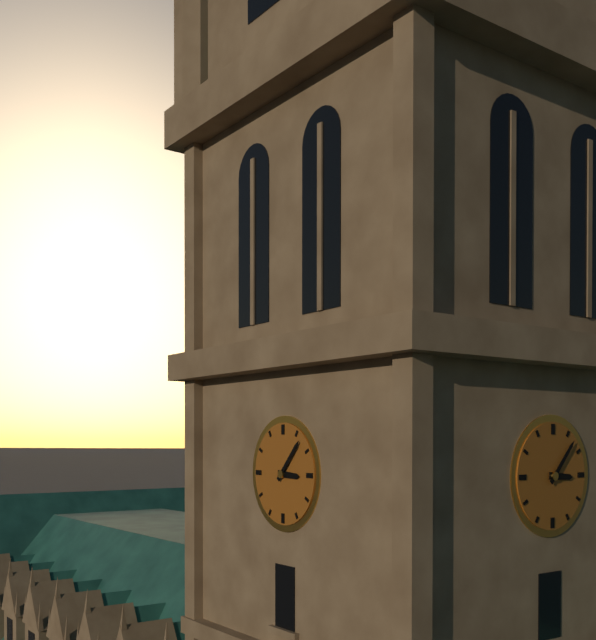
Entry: **3:07**
